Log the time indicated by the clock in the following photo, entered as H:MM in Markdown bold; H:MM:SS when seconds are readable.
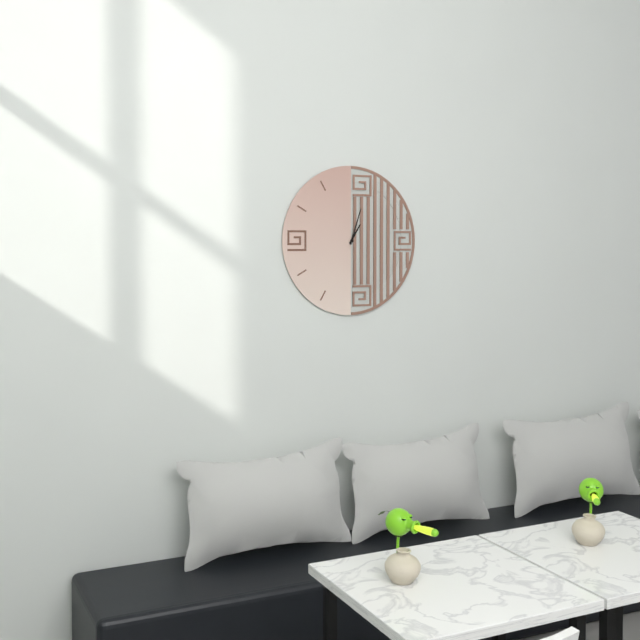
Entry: **1:03**
